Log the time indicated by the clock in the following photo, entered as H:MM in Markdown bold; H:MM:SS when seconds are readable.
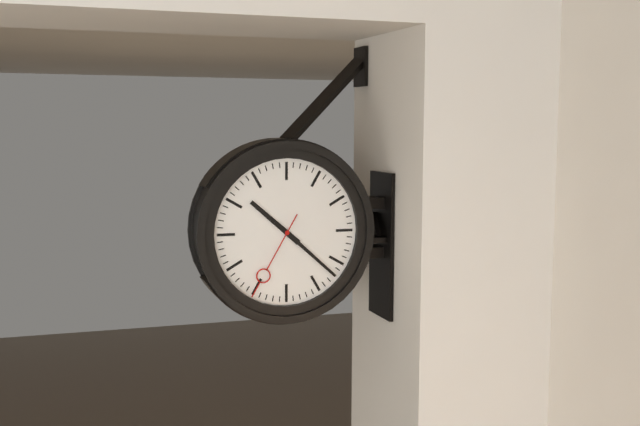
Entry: **10:22:35**
